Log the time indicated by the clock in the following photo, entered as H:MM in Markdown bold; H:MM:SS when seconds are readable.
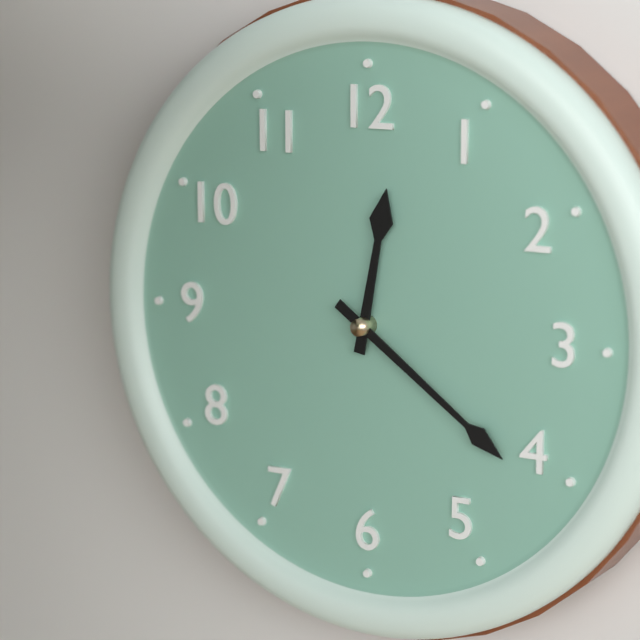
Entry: **12:21**
